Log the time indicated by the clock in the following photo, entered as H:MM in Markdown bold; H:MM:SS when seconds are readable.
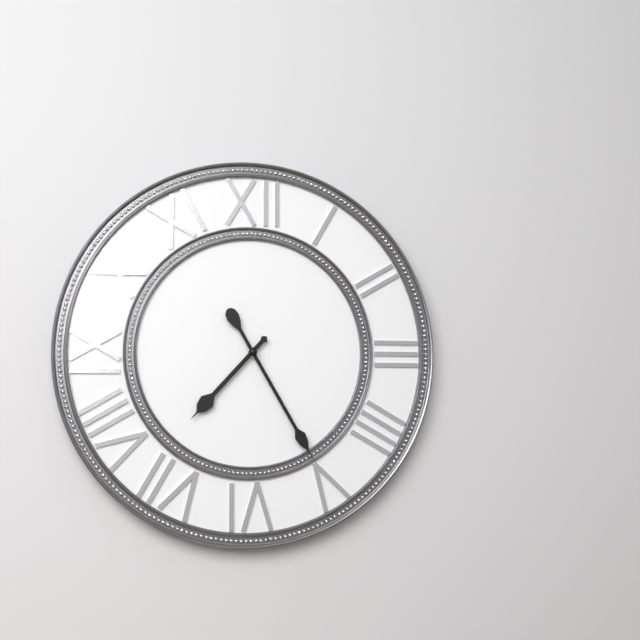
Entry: **7:25**
